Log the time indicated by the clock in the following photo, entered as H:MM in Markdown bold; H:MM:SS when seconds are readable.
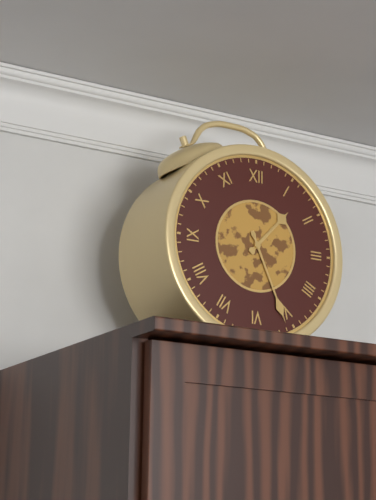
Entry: **1:26**
